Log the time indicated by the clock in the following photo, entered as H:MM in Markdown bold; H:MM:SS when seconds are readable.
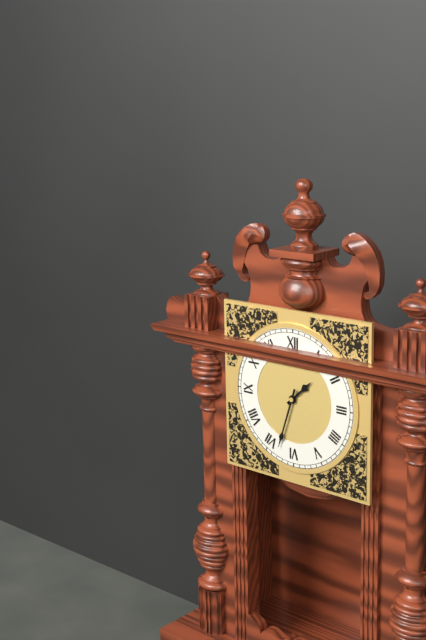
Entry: **1:33**
